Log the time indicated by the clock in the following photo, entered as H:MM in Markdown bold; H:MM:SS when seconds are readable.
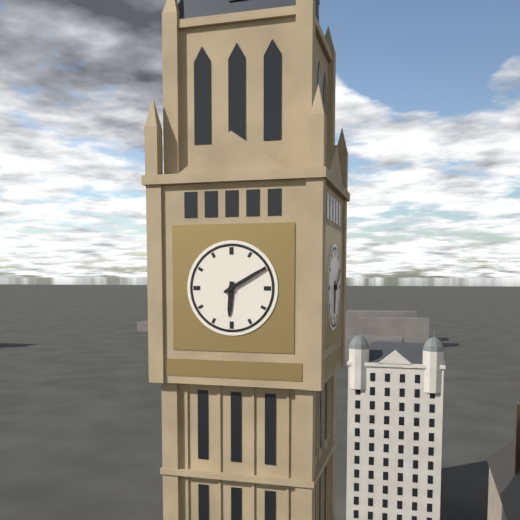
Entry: **6:10**
